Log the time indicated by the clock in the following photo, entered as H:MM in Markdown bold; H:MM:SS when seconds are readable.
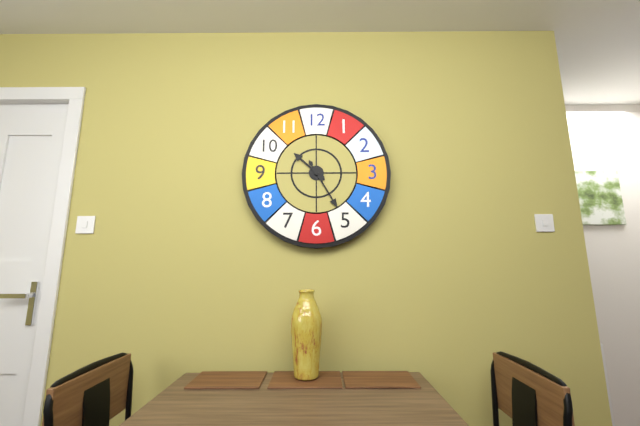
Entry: **10:25**
